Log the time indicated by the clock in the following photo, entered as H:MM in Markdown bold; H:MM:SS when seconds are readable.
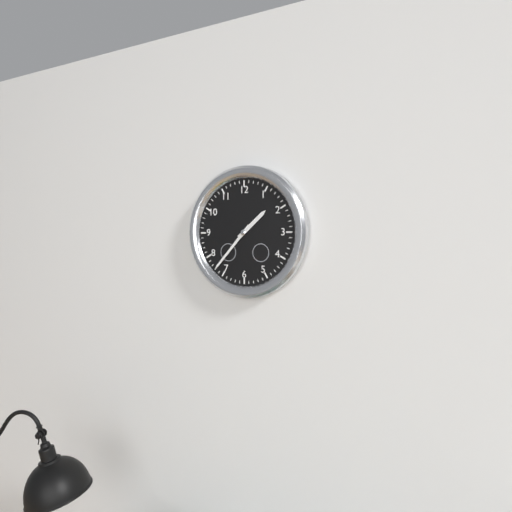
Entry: **1:37**
